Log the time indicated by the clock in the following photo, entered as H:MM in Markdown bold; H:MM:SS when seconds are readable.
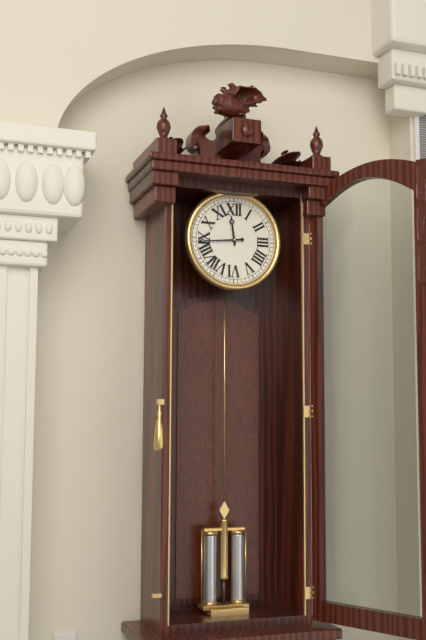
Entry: **11:44**
